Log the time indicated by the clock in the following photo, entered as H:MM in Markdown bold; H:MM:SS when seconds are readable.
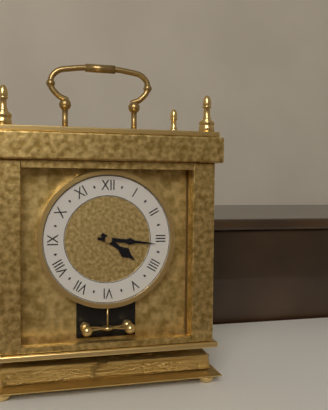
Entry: **4:16**
